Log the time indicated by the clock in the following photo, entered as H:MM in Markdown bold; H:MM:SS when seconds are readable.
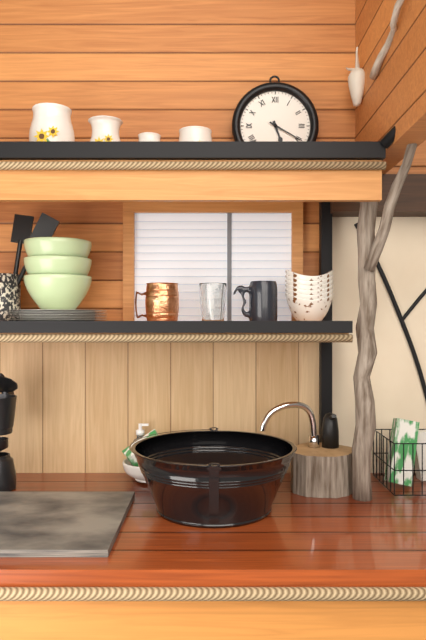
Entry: **5:20**
